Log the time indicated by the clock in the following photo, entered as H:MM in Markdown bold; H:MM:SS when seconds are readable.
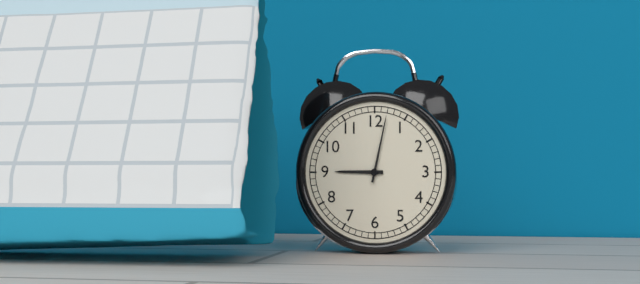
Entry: **9:02**
